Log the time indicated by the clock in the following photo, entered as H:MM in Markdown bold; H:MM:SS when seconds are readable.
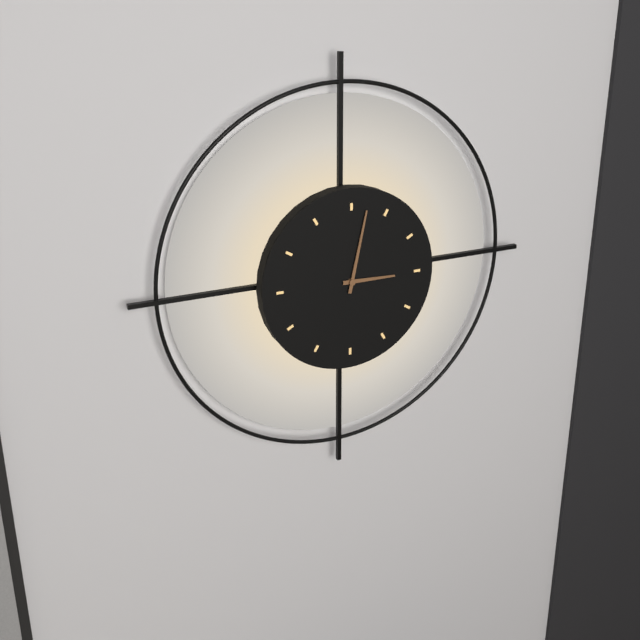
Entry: **3:02**
